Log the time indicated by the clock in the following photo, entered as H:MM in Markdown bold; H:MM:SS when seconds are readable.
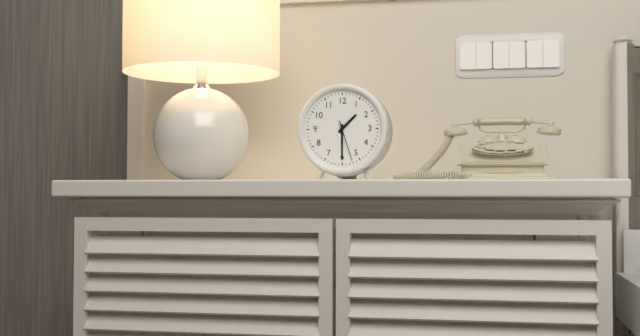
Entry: **1:30**
